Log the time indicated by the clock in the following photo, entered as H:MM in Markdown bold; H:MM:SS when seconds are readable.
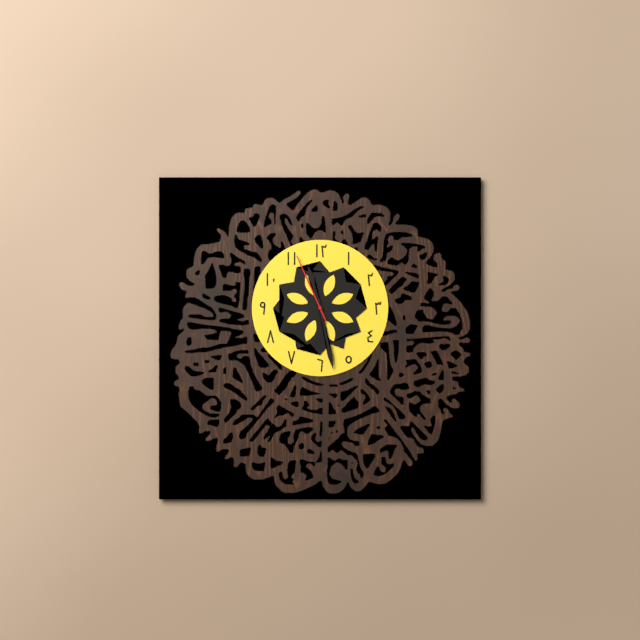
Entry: **11:28:56**
